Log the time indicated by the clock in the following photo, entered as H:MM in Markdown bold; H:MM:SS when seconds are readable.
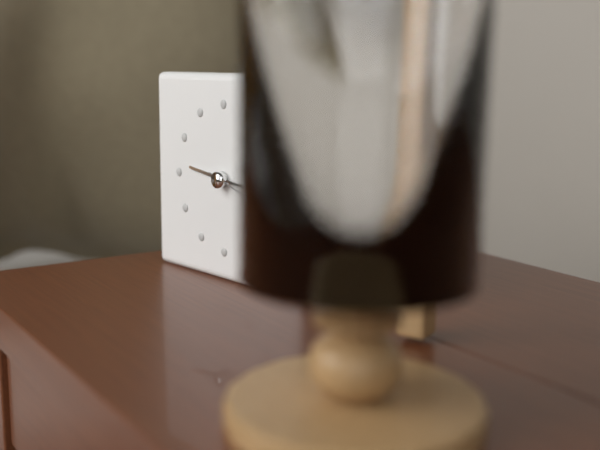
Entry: **9:16:18**
